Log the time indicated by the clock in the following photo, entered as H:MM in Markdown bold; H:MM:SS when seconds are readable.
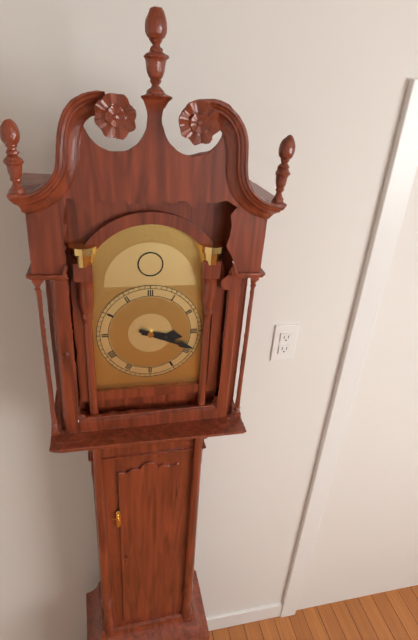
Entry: **3:19**
